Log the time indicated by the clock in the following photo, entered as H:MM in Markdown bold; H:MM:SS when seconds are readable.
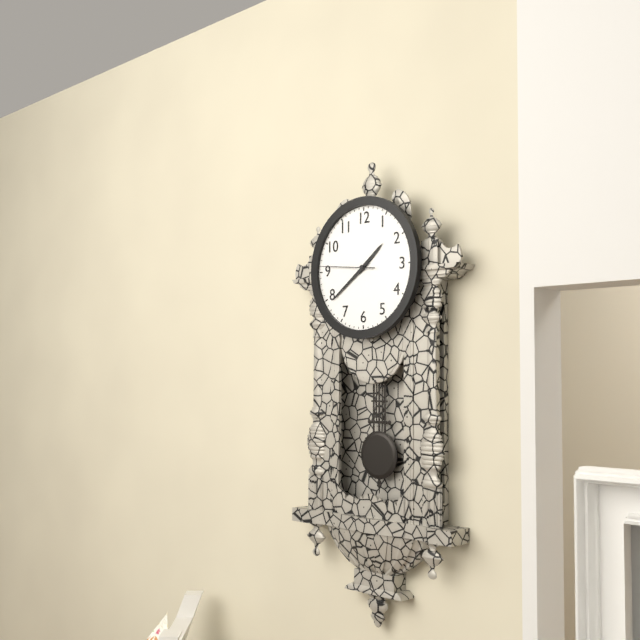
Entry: **1:39:46**
